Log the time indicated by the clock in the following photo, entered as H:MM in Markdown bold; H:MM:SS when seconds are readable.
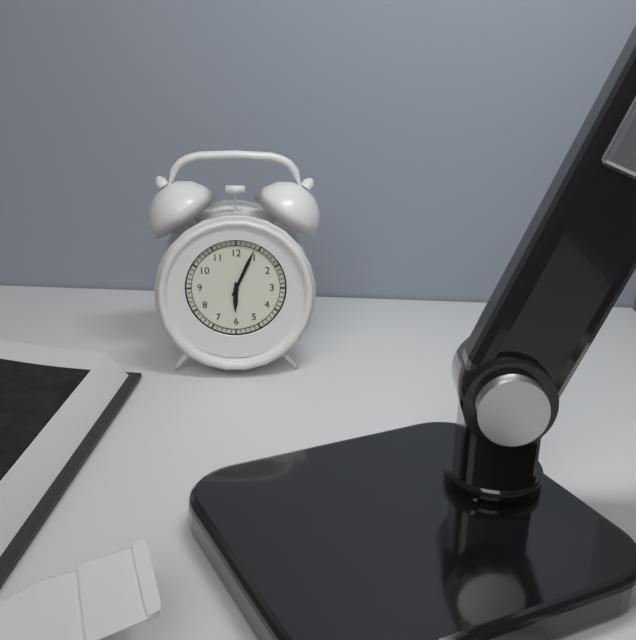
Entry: **6:04**
